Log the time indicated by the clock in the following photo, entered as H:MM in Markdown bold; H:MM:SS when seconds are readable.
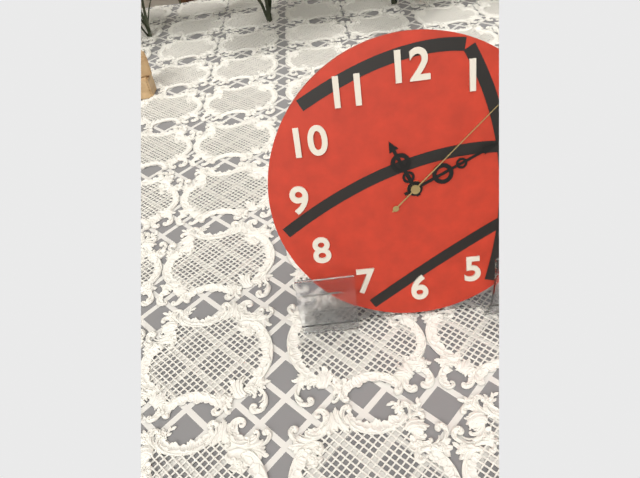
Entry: **11:11:08**
